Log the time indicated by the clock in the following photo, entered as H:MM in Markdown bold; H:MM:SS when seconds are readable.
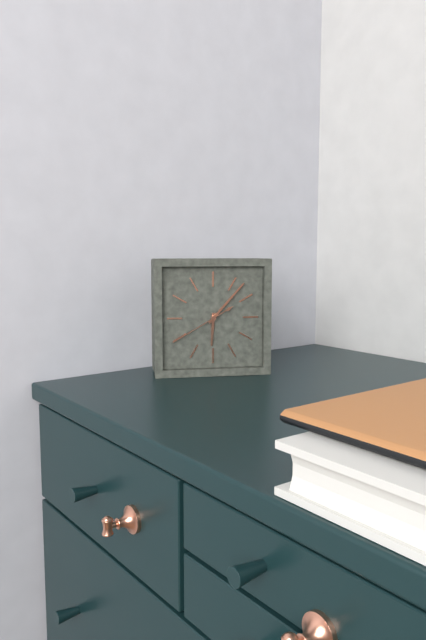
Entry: **6:07:40**
